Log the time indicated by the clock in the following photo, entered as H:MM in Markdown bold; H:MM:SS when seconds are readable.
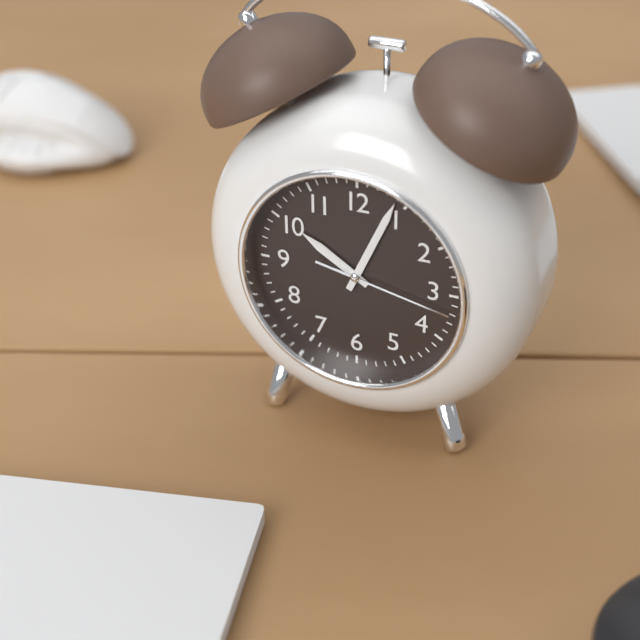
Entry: **10:04:17**
